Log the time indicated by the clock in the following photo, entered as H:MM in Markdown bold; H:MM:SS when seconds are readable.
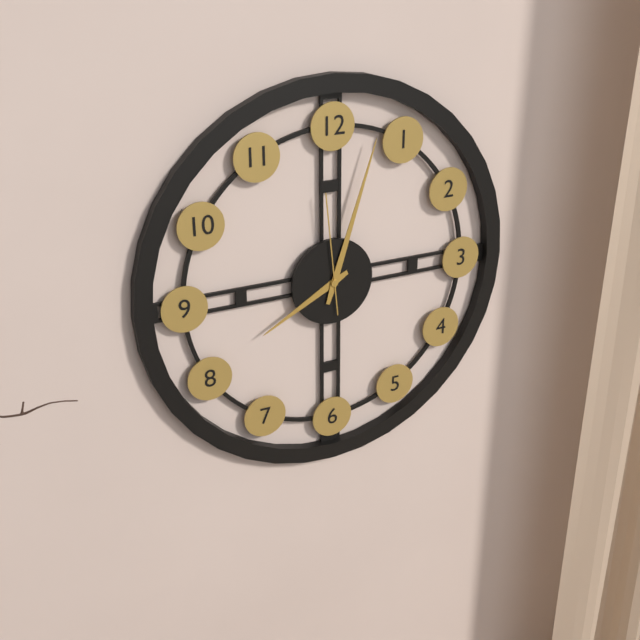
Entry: **8:03:59**
